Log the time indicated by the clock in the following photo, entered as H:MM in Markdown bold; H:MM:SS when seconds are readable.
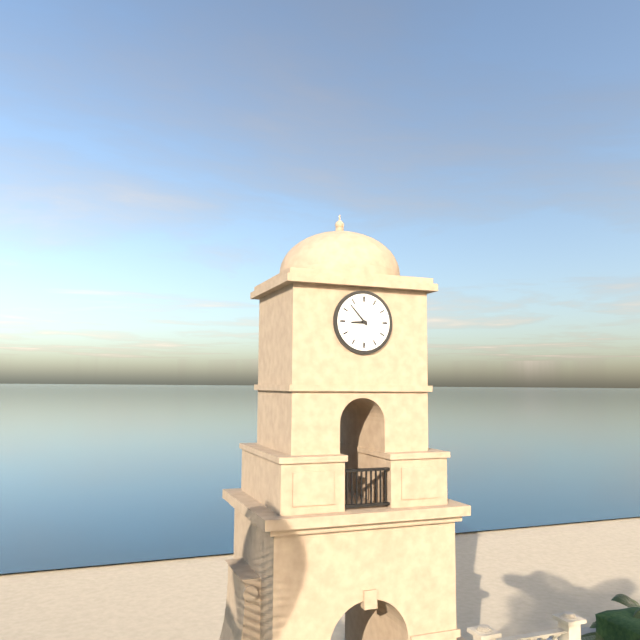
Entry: **8:53**
